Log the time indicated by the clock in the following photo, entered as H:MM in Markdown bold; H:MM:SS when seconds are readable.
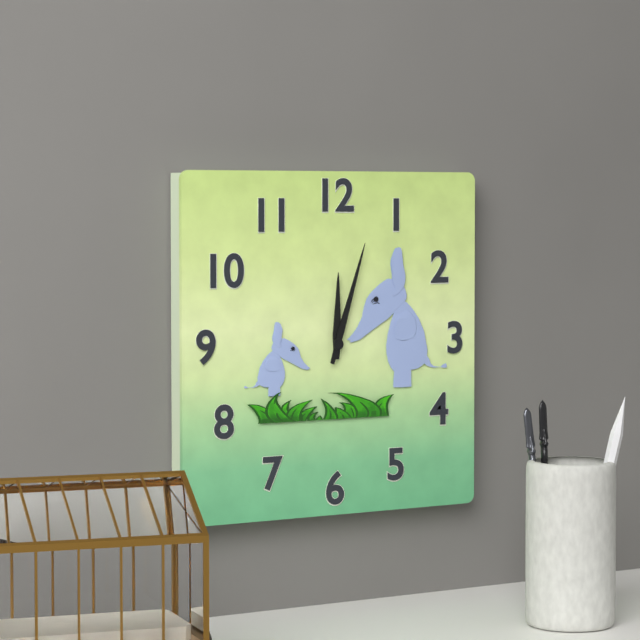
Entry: **12:03**
